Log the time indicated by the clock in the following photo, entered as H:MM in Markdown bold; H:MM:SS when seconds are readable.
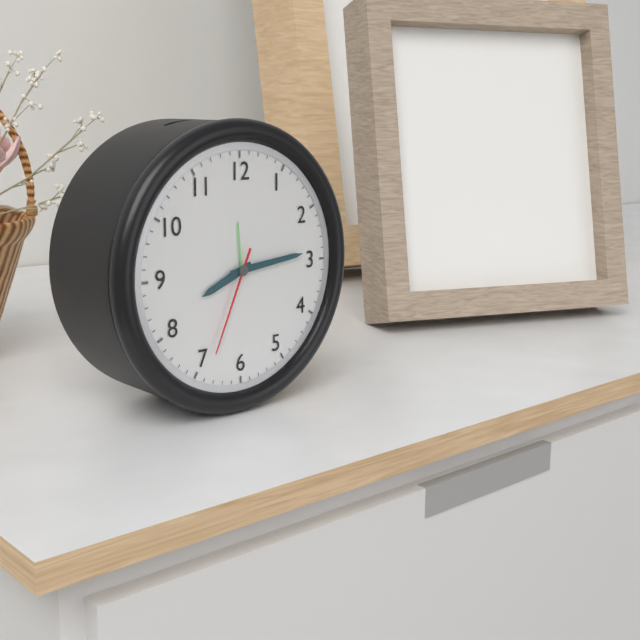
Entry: **8:14:34**
